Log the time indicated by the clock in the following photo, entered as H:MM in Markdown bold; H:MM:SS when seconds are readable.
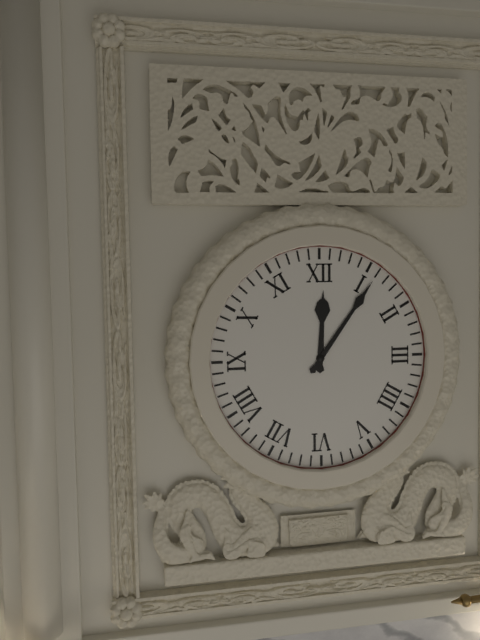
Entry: **12:06**
